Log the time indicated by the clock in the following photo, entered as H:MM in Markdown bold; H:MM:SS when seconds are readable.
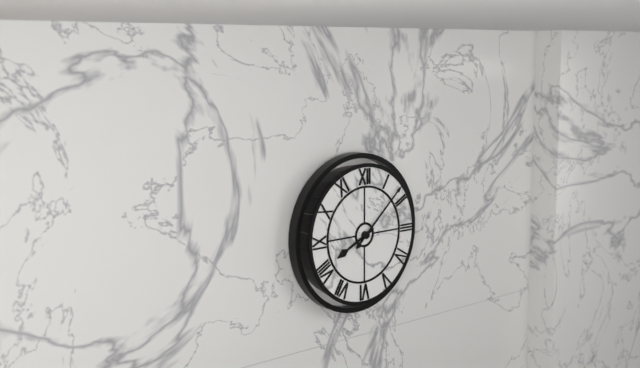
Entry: **8:08**
